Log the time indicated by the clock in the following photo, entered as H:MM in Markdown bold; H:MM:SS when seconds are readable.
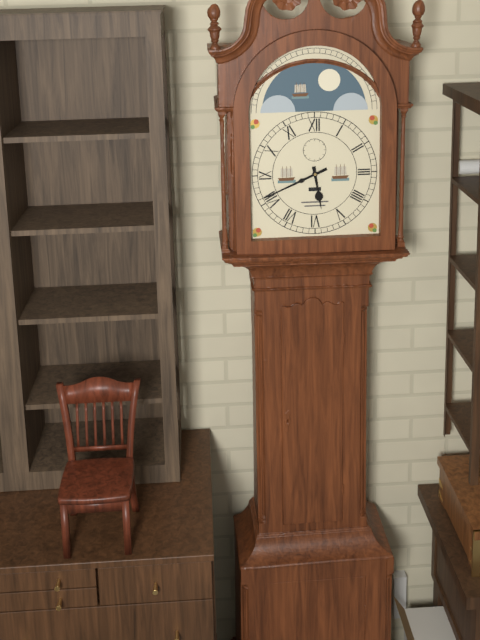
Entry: **5:41**
